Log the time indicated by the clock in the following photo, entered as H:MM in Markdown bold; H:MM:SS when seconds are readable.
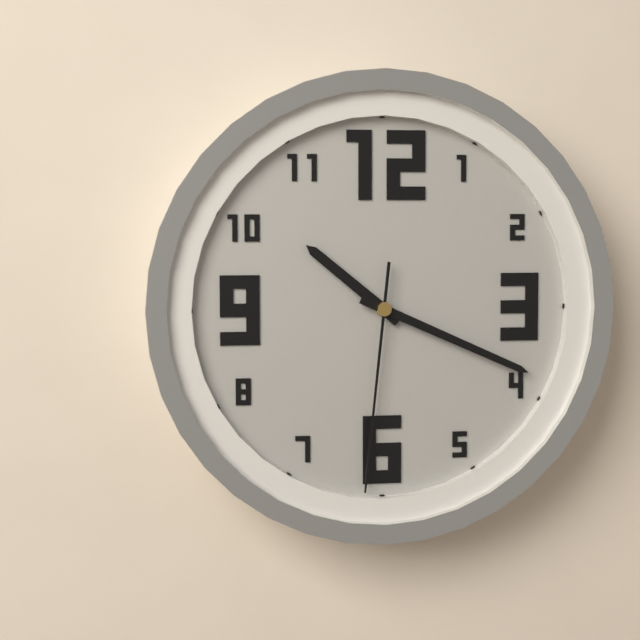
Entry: **10:19:31**
